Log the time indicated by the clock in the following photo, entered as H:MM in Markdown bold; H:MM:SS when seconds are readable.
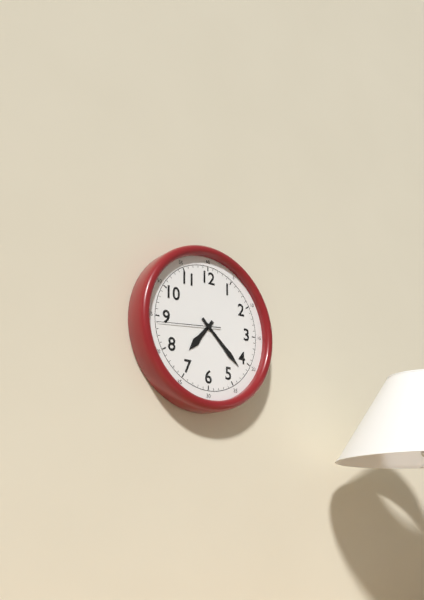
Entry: **7:22:44**
